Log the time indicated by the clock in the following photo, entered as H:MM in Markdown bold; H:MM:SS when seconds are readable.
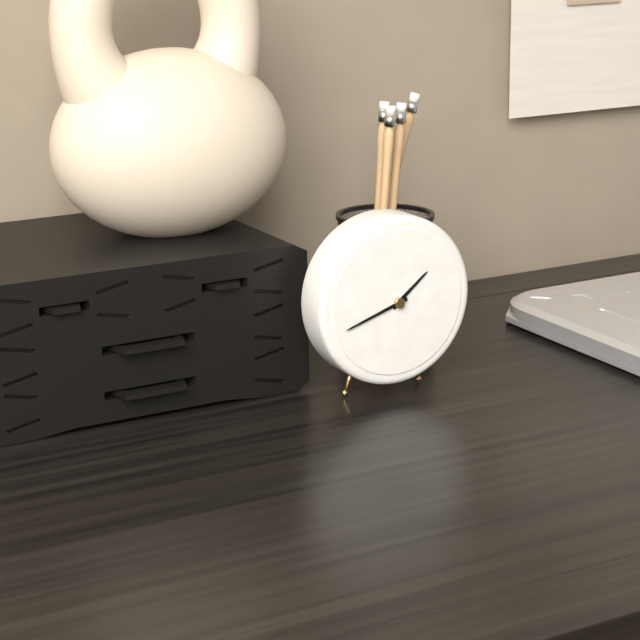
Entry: **1:42**
